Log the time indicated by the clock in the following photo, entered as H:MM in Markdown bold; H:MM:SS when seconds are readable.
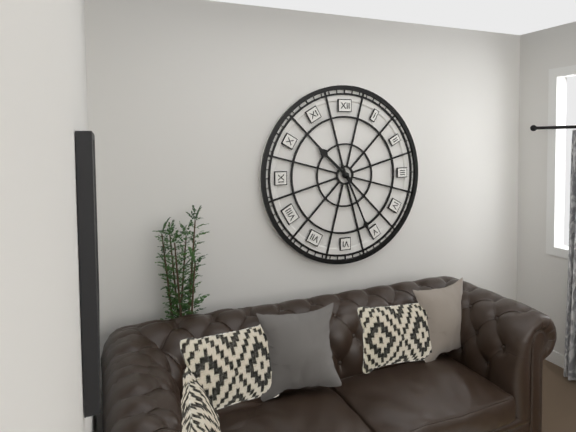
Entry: **10:26**
